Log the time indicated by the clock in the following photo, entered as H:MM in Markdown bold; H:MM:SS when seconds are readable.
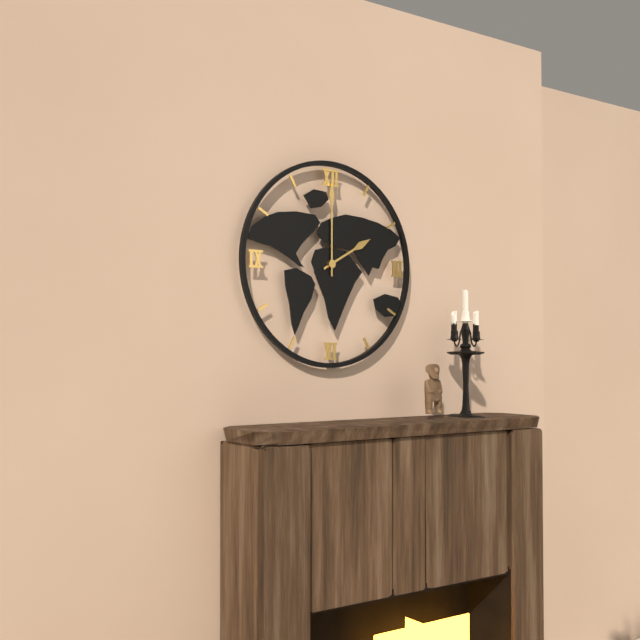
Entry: **2:00**
